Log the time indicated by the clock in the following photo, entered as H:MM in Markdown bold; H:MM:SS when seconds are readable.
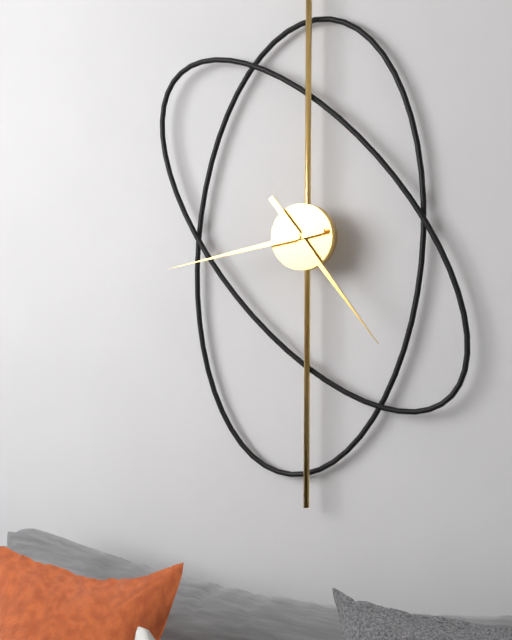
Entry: **4:43**
